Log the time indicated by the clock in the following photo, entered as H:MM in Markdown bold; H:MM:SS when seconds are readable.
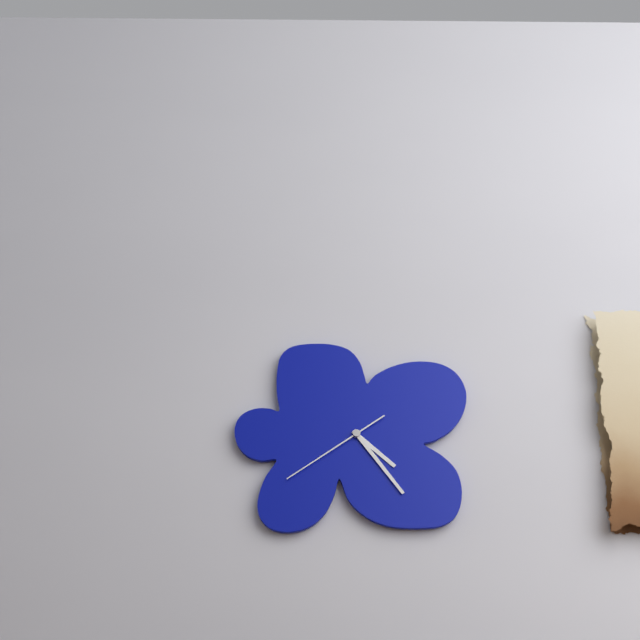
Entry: **4:24:39**
